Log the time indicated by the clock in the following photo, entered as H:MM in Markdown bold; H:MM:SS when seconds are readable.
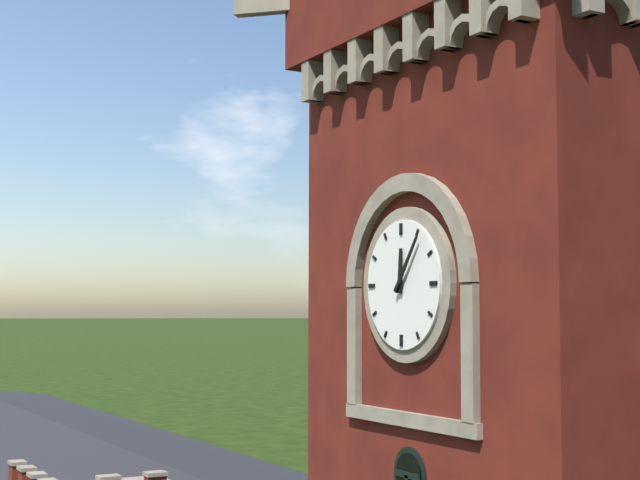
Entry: **12:06**
